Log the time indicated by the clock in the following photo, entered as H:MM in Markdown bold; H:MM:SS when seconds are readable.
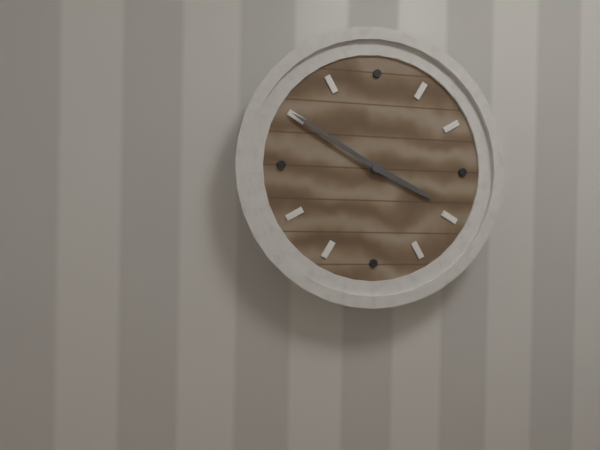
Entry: **3:50**
